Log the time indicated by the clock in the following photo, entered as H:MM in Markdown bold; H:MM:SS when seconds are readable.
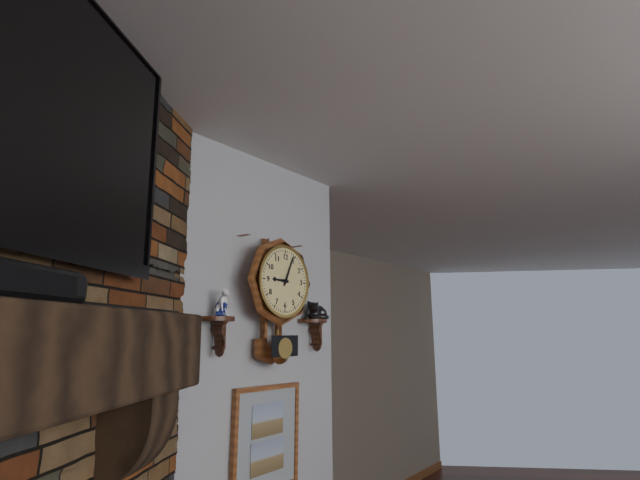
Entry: **9:04**
